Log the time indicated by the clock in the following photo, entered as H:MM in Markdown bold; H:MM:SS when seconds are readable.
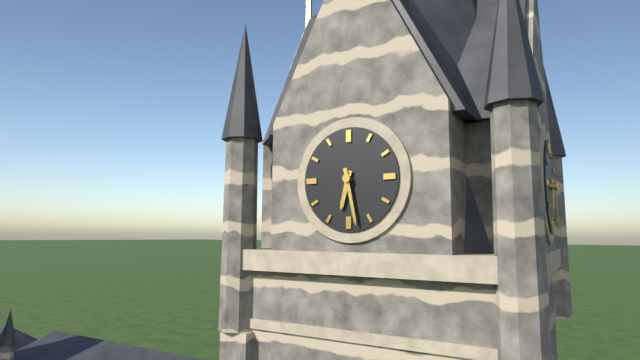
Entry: **6:28**
